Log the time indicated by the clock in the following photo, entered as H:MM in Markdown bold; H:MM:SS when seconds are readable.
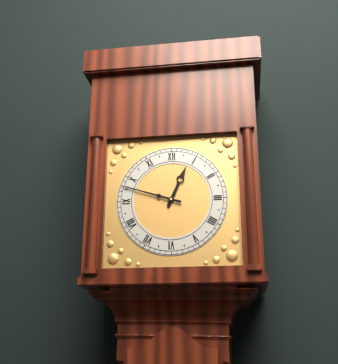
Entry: **12:48**
